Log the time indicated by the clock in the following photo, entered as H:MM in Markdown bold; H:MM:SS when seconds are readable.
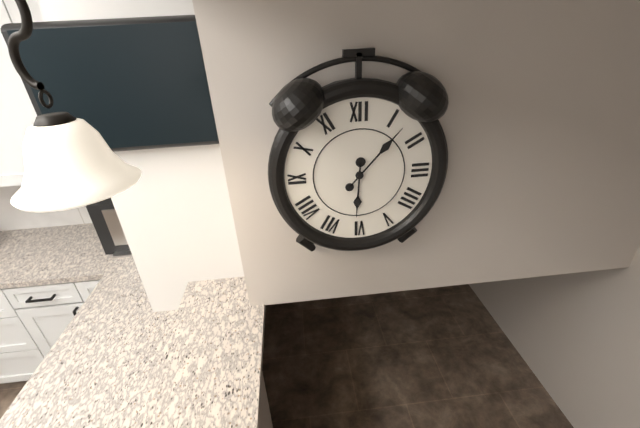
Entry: **6:07**
